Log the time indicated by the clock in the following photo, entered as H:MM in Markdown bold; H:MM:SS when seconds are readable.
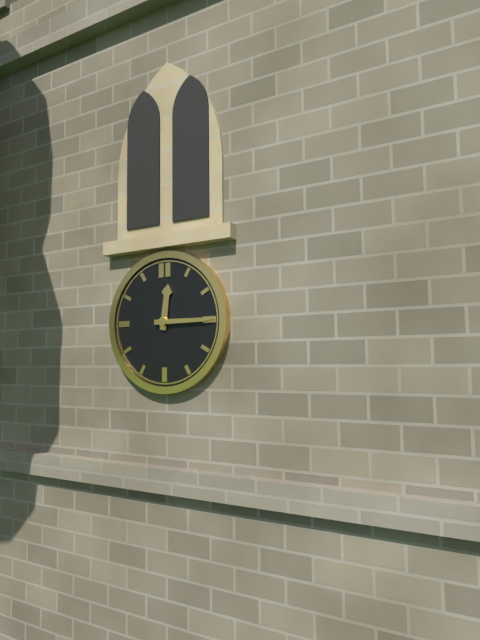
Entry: **12:15**
